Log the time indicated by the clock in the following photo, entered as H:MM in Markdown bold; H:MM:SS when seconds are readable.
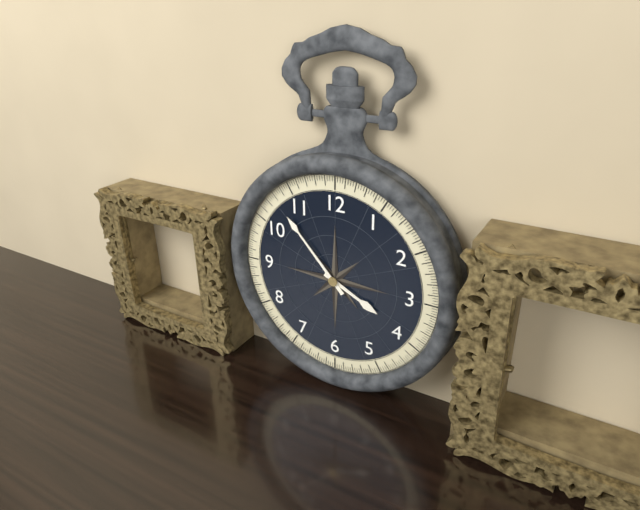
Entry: **3:53**
